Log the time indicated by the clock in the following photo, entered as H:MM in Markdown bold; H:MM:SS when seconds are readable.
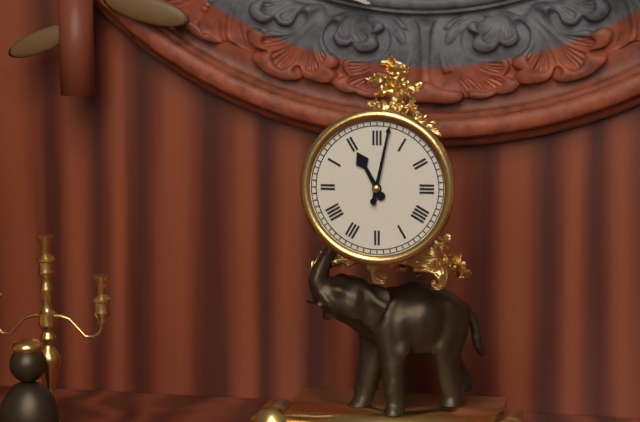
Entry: **11:02**
